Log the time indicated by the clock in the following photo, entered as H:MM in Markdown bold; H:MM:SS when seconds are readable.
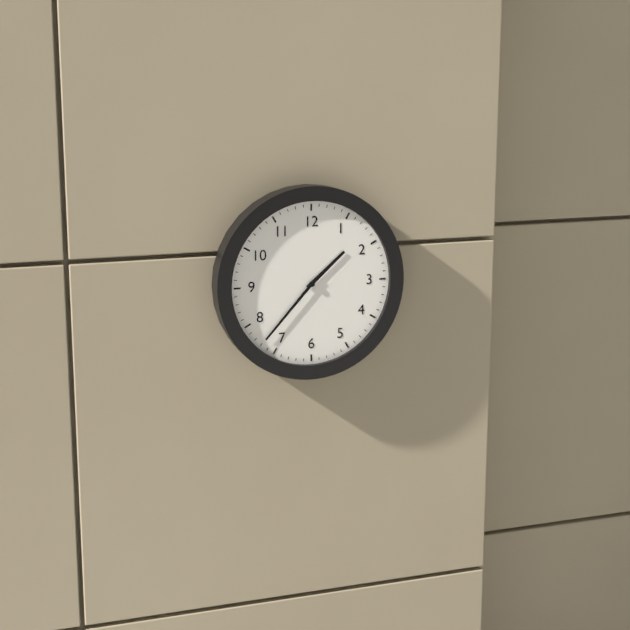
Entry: **1:37**
